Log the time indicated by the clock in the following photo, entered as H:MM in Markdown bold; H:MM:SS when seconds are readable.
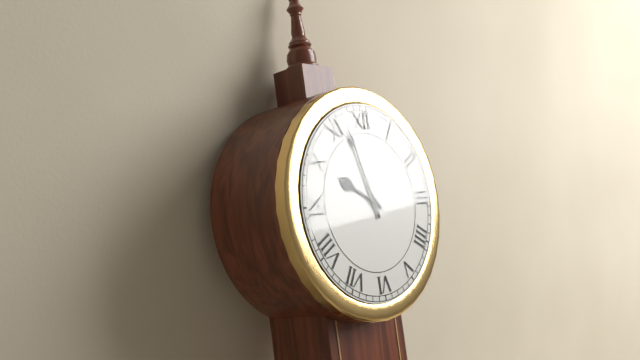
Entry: **9:57**
